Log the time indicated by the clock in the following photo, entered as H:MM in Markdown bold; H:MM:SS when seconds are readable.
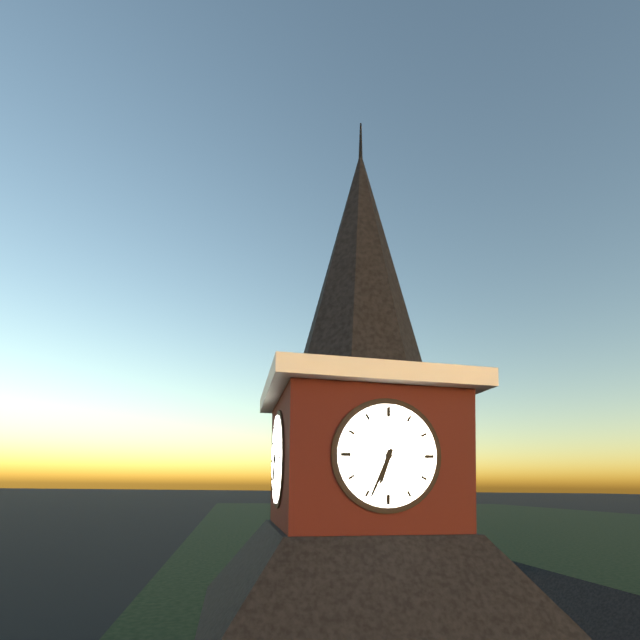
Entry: **6:34**
